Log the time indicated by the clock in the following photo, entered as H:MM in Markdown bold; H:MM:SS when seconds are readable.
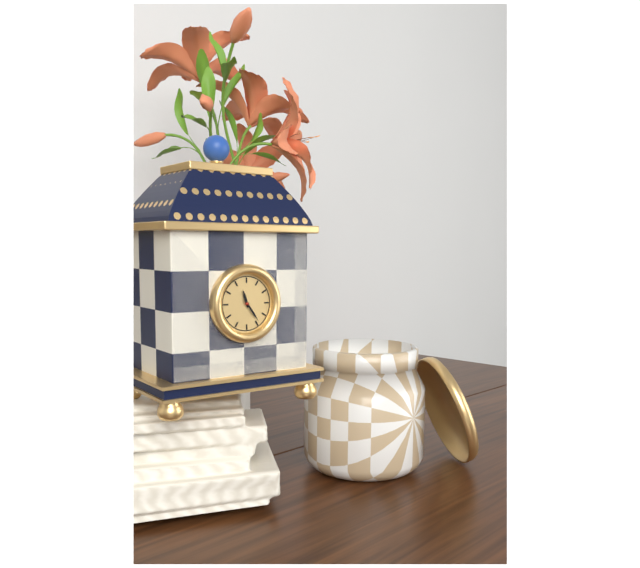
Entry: **11:24**
